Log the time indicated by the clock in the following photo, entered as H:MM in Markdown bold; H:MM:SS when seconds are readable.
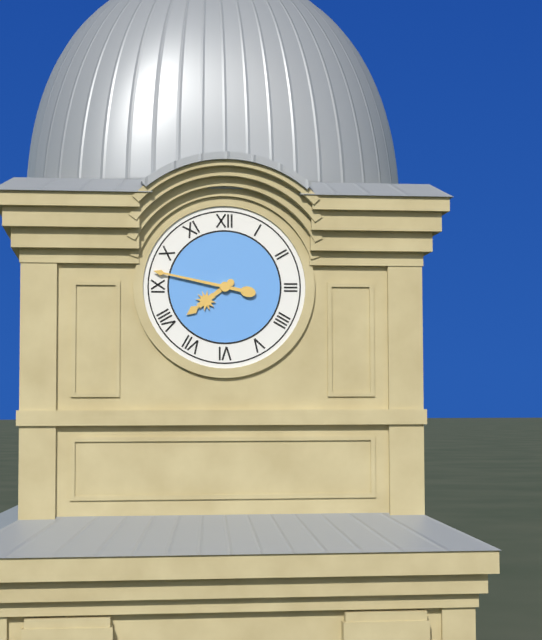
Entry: **7:47**
